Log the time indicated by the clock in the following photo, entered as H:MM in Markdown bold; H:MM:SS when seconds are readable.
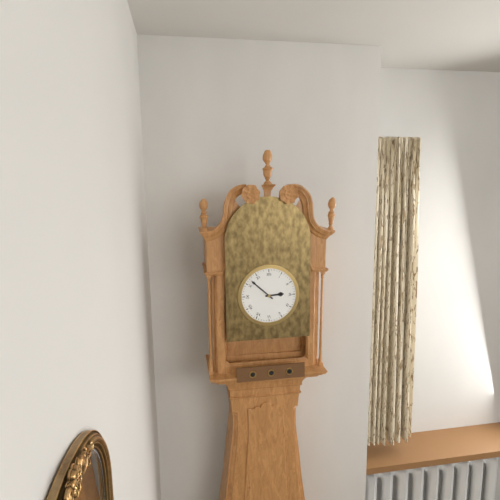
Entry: **2:52**
